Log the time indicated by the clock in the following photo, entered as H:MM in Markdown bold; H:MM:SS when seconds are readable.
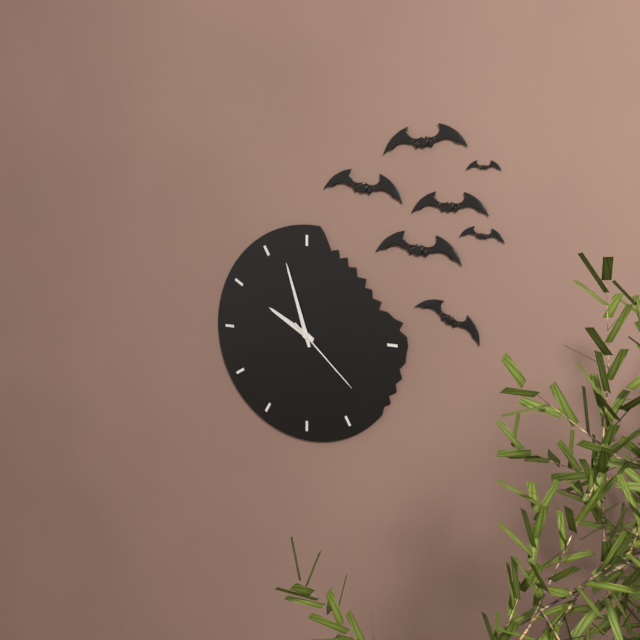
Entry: **9:57:22**
